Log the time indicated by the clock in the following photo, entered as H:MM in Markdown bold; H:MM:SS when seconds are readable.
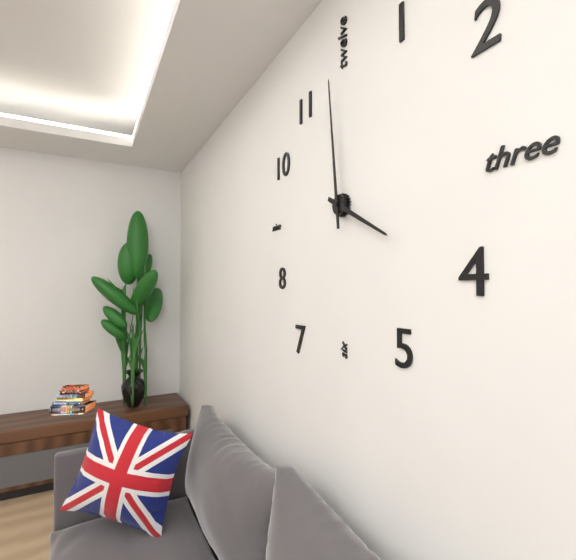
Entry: **3:59**
